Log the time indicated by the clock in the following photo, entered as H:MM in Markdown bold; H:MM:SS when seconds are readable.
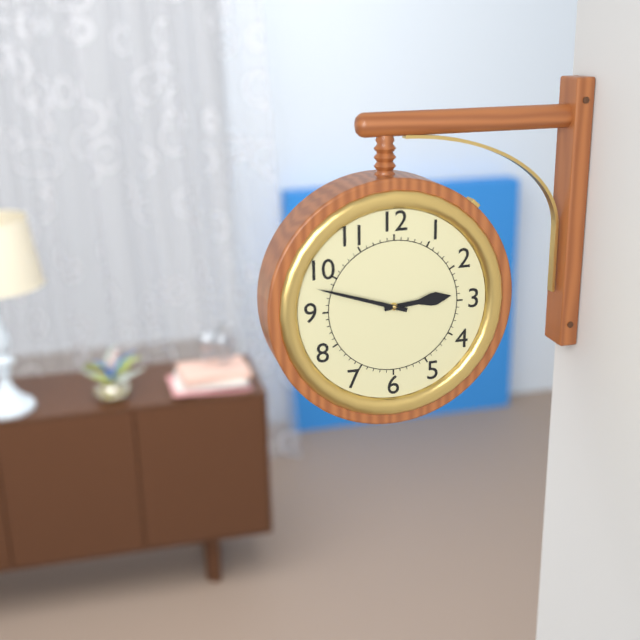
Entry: **2:48**
